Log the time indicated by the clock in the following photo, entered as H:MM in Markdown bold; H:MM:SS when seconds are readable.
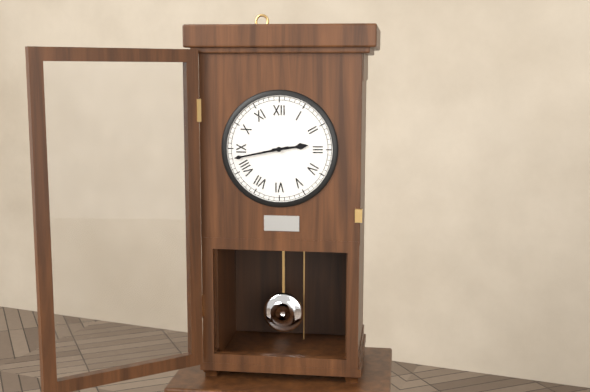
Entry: **2:43**
